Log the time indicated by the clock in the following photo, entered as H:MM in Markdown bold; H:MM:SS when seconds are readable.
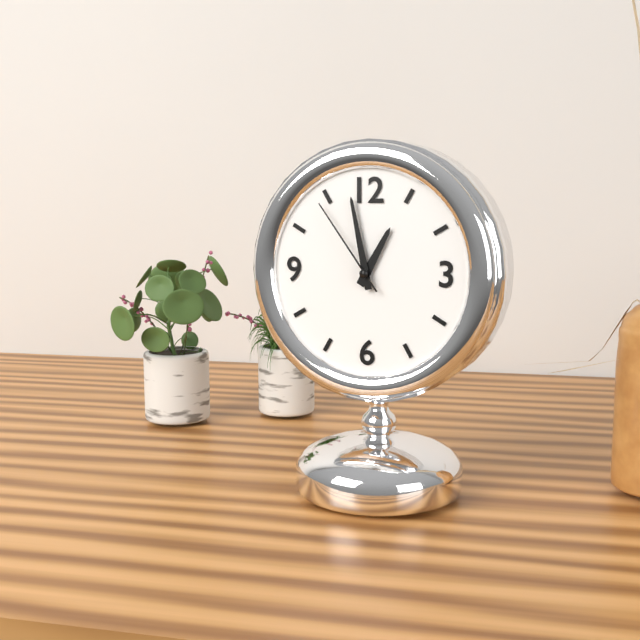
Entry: **12:58:54**
